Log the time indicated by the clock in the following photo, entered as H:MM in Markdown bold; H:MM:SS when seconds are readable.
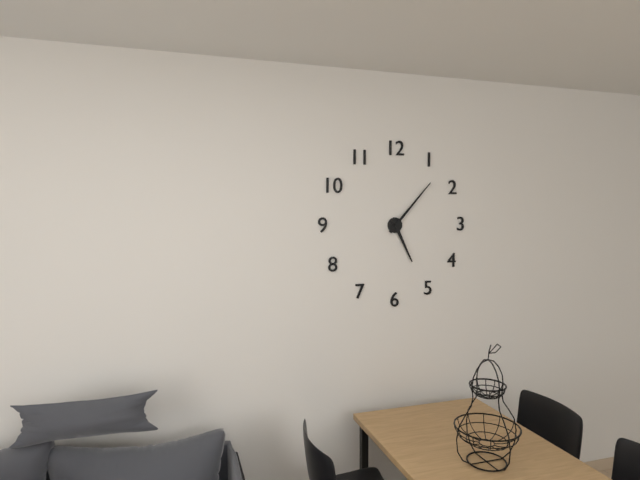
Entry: **5:07**
